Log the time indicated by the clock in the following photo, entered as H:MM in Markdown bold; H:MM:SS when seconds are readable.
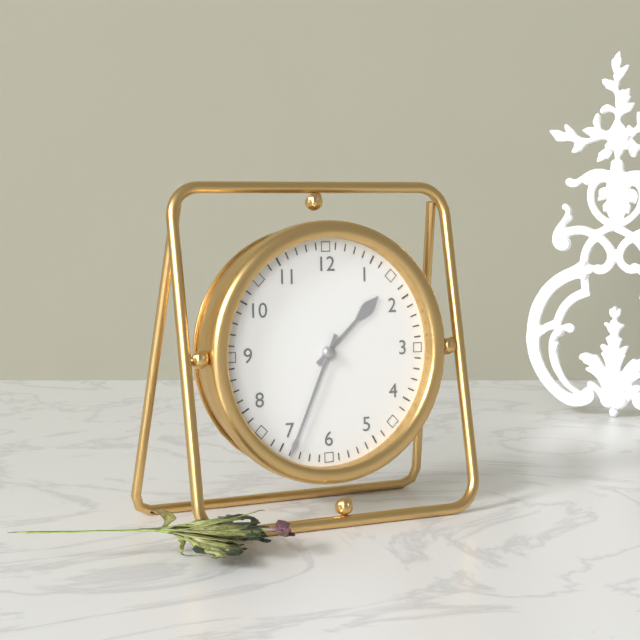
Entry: **1:34**
